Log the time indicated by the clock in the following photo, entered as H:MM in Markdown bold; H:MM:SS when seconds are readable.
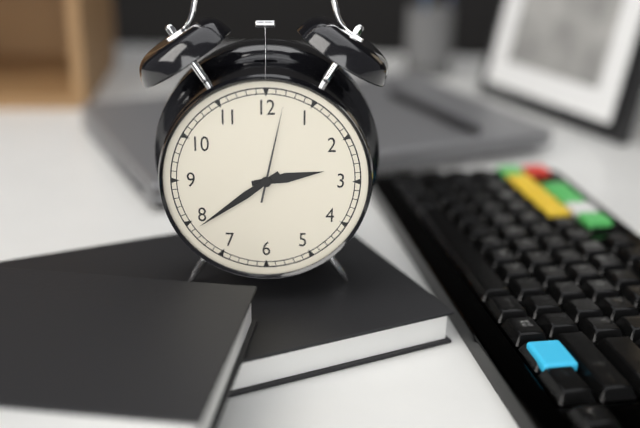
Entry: **2:39:02**
